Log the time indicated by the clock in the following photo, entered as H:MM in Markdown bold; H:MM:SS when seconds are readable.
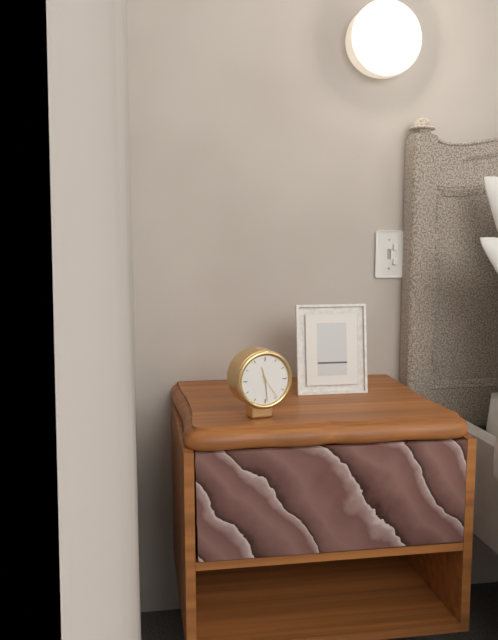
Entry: **11:29**
